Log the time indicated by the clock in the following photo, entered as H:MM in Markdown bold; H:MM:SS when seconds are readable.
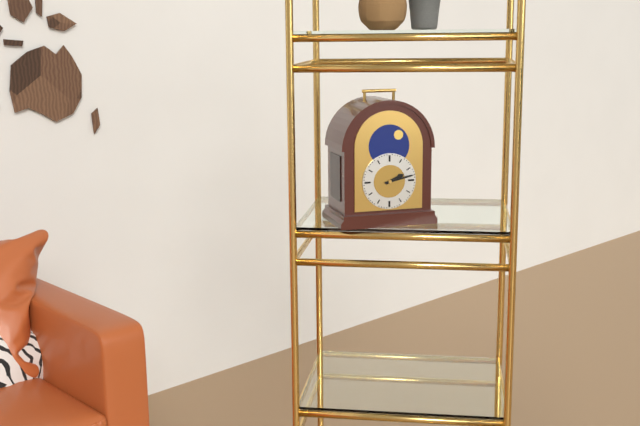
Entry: **2:13**
